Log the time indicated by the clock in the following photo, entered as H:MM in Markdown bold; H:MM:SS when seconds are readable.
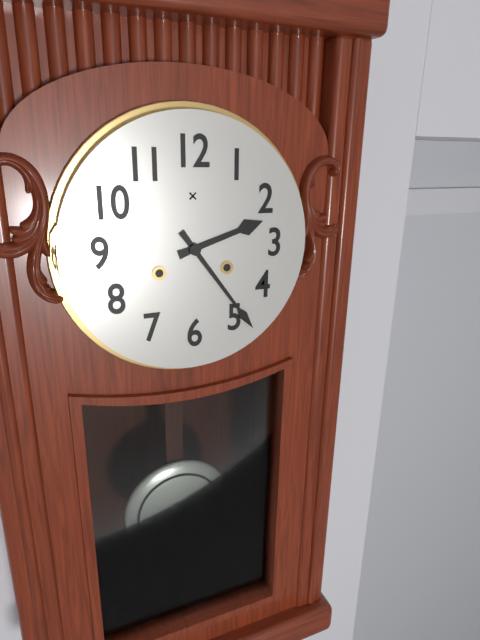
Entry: **2:24**
